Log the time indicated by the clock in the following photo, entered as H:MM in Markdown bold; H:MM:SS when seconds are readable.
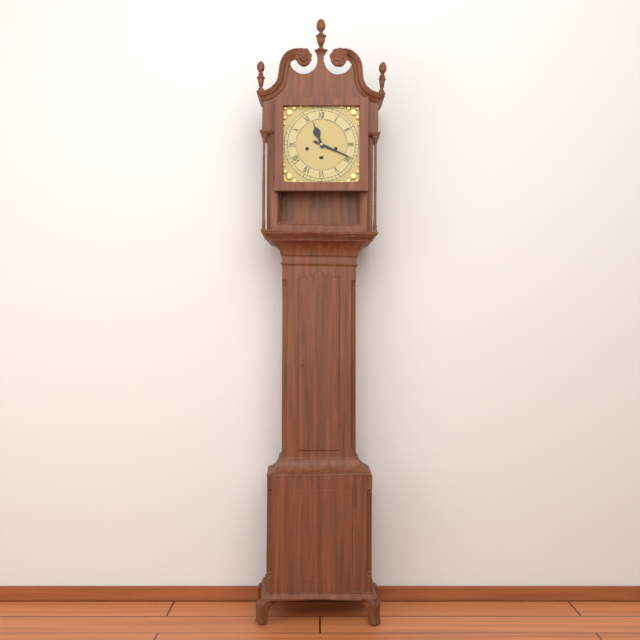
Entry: **11:19**
